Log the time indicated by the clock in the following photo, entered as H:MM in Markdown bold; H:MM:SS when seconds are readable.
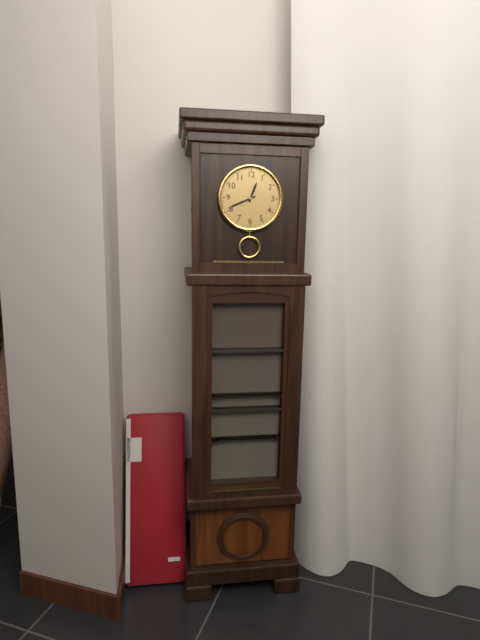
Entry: **12:41**
